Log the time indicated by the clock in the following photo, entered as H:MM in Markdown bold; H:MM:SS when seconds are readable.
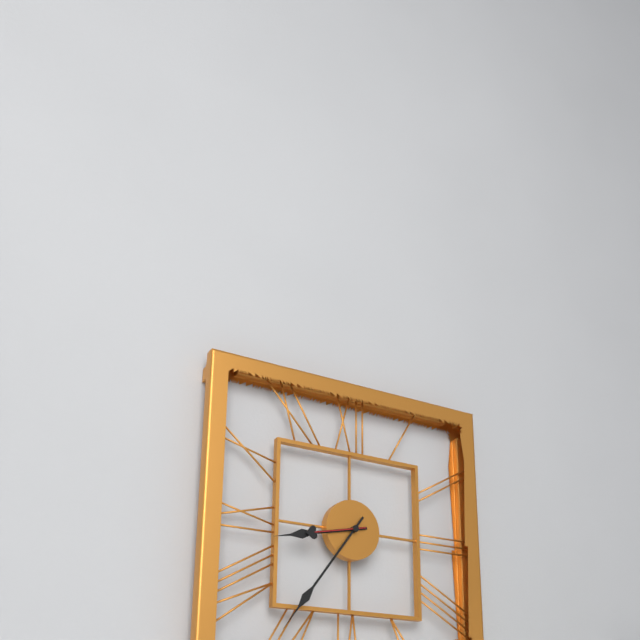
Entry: **8:36:43**
